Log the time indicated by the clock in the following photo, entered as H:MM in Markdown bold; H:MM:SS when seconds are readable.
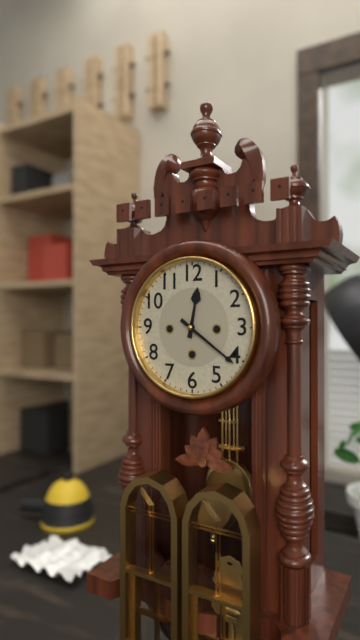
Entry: **12:21**
